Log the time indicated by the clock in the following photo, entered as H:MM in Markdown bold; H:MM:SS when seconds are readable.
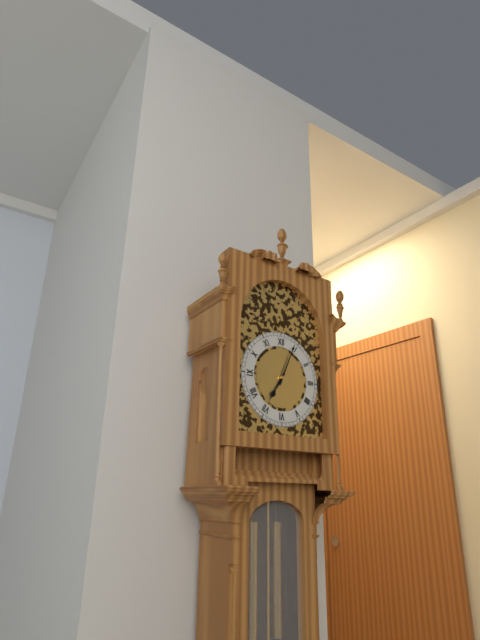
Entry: **7:04**
